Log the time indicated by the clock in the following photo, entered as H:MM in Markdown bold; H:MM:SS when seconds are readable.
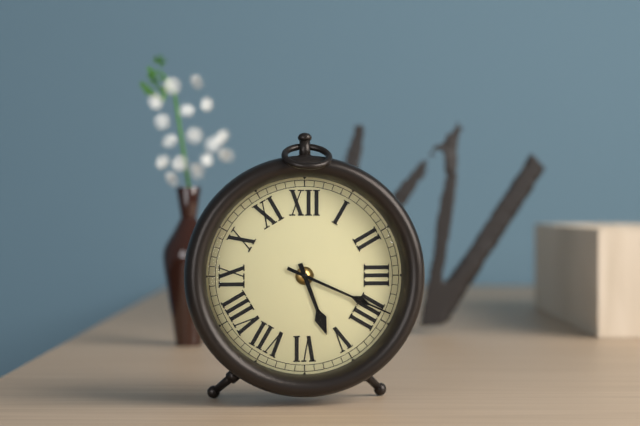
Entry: **5:19**
